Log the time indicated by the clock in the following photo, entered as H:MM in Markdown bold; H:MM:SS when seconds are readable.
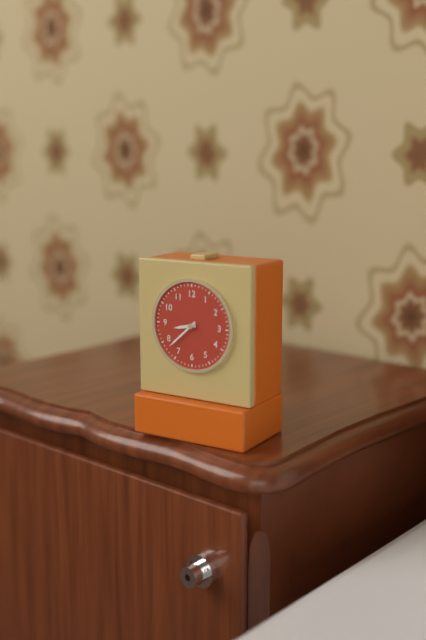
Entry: **8:38**
